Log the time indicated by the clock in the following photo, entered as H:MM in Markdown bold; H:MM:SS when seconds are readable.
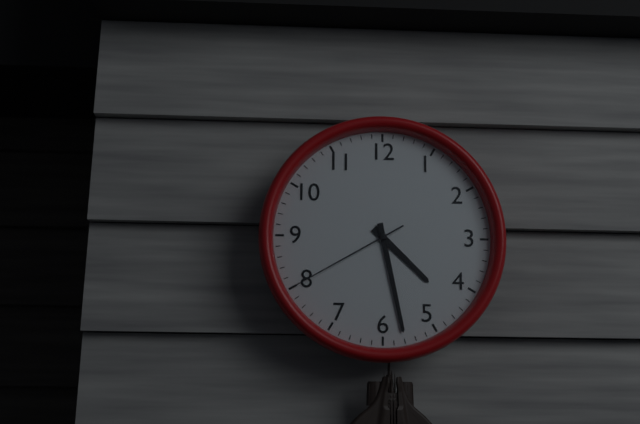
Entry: **4:28:40**
